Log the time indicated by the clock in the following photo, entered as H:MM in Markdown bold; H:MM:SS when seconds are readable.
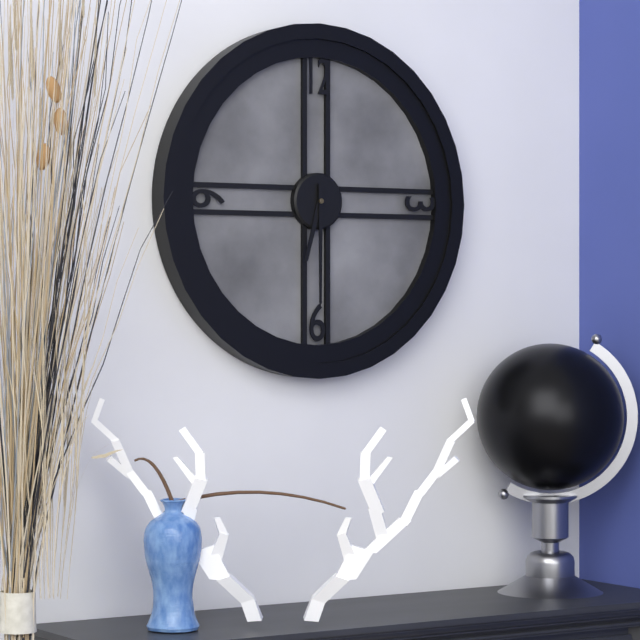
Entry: **6:30**
